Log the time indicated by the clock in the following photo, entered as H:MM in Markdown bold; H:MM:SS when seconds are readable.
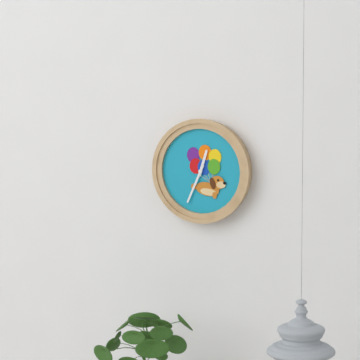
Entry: **12:34**
